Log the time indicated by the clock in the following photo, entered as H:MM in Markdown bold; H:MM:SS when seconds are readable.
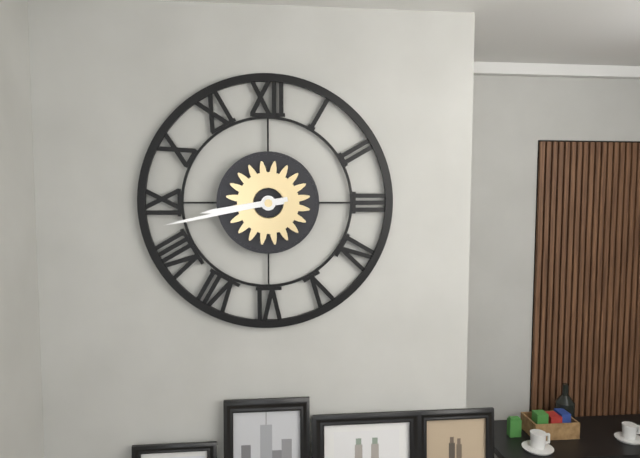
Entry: **8:43**
